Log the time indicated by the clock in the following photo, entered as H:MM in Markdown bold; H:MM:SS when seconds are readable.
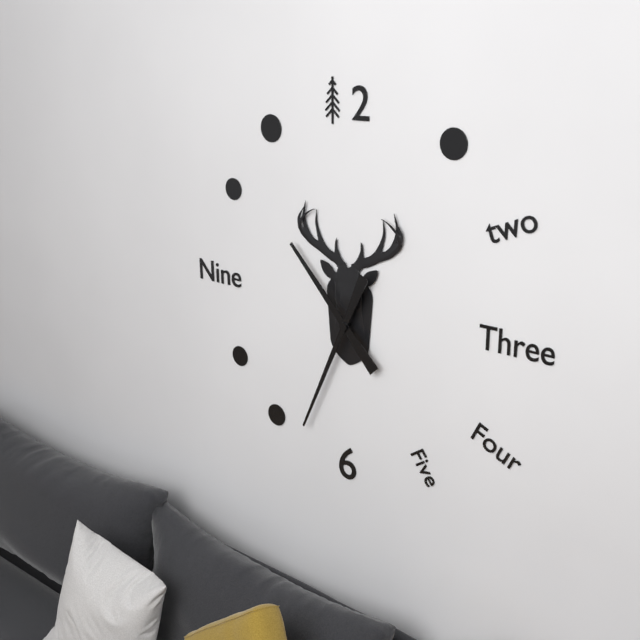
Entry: **10:34**
